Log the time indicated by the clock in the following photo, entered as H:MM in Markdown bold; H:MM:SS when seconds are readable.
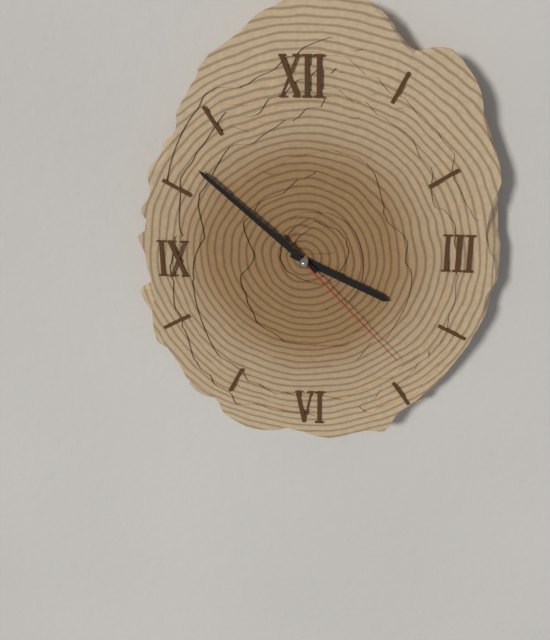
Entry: **3:52:23**
